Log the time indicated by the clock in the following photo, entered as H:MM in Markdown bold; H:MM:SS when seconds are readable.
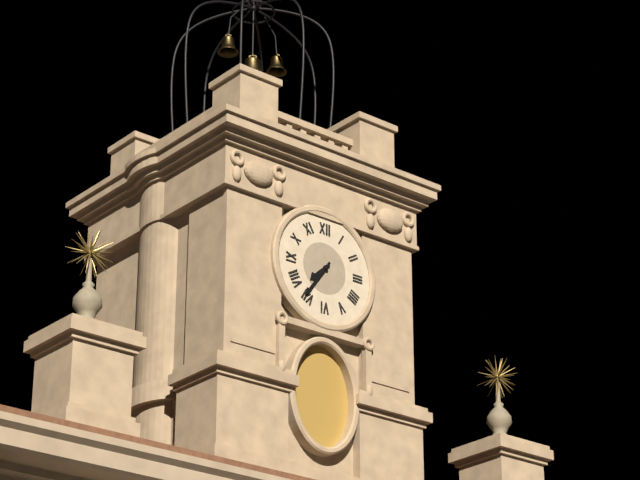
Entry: **7:36**
